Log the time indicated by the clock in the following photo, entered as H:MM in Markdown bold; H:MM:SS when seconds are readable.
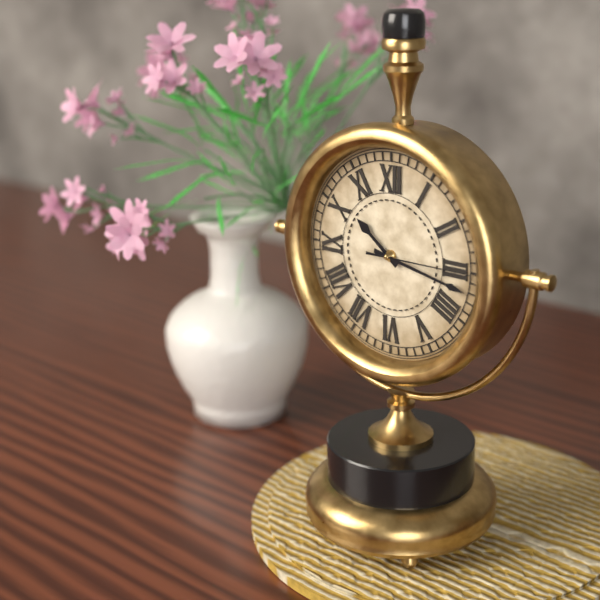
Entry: **10:17:15**
